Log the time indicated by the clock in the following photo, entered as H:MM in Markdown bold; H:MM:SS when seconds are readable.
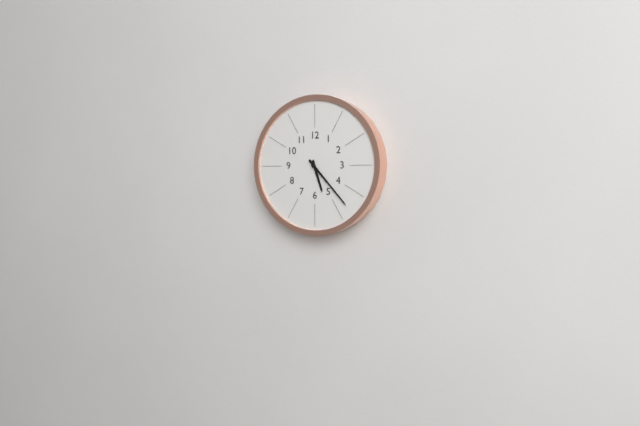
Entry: **5:23**
